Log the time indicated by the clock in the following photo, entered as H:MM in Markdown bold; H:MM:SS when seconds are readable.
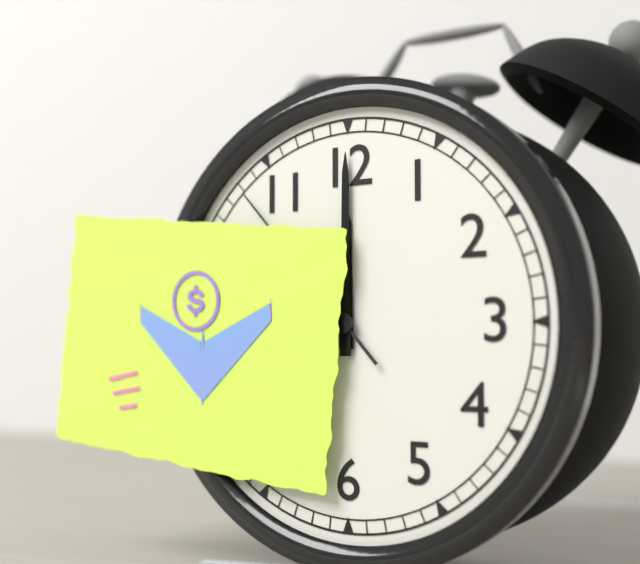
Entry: **12:00:53**
